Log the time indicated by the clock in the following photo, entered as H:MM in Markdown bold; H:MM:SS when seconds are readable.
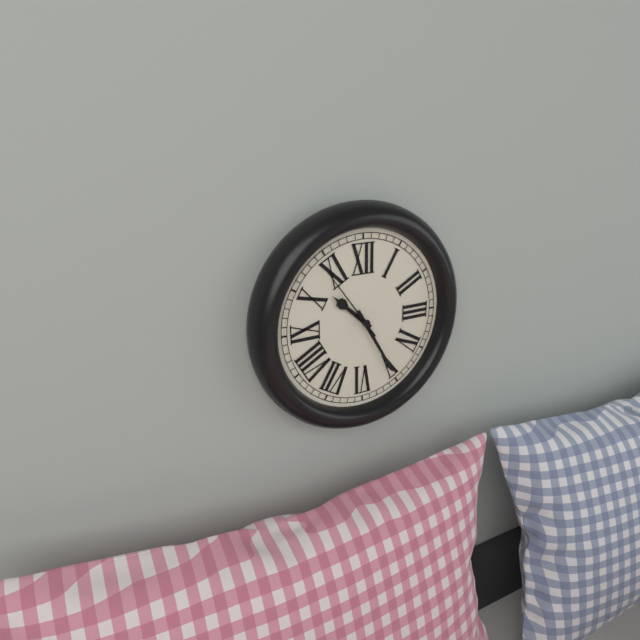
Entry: **10:25:54**
